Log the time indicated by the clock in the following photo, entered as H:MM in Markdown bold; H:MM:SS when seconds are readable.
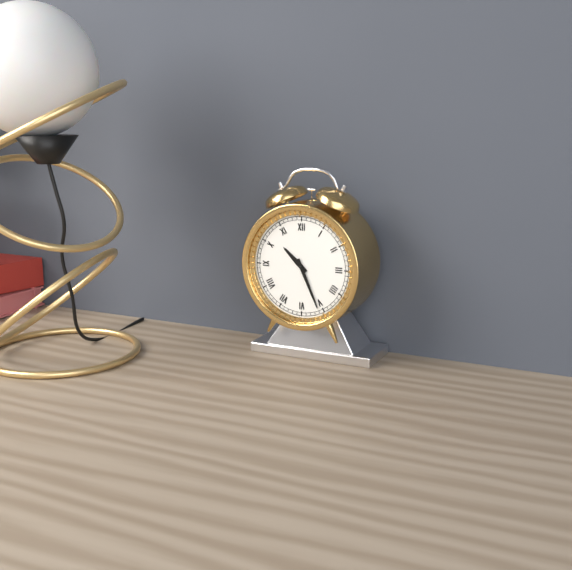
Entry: **10:26**
